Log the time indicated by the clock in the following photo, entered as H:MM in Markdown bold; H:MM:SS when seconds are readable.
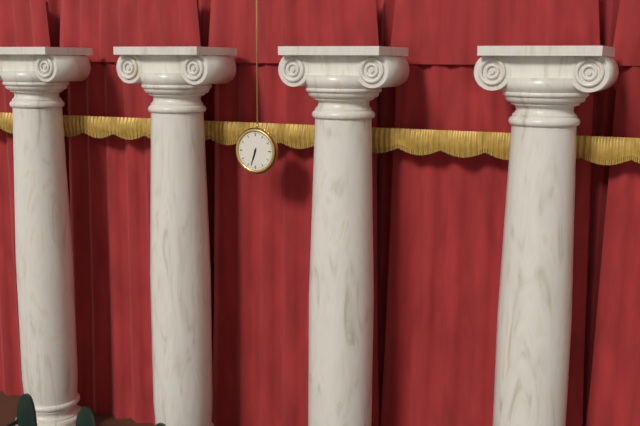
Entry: **6:33**
